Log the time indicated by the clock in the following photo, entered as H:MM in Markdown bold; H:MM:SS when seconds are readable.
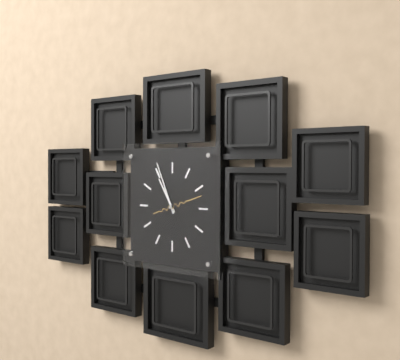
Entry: **10:56**
